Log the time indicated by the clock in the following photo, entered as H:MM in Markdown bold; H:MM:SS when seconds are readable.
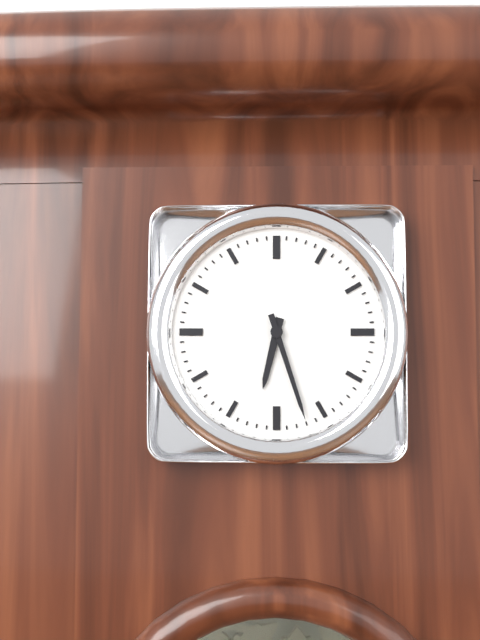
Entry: **6:27**
